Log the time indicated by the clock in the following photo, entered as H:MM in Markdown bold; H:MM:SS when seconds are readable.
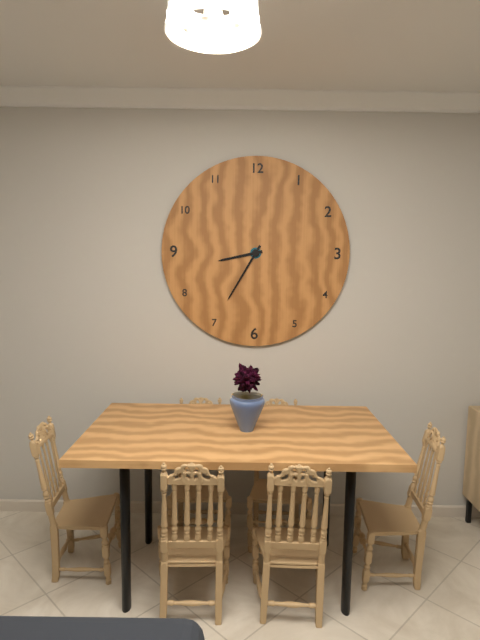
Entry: **8:35**
